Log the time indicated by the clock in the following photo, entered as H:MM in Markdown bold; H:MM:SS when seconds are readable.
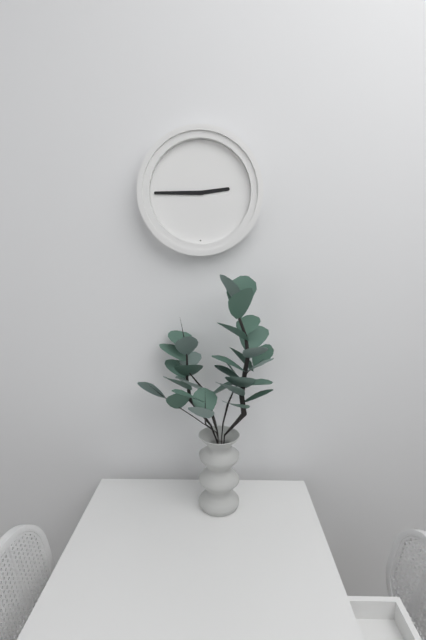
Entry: **2:45**
